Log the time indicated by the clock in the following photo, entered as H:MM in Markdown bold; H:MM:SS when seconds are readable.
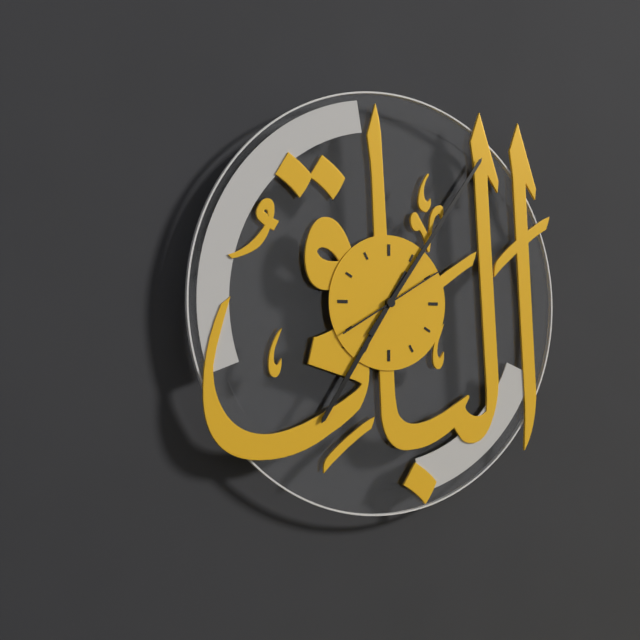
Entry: **7:06:10**
